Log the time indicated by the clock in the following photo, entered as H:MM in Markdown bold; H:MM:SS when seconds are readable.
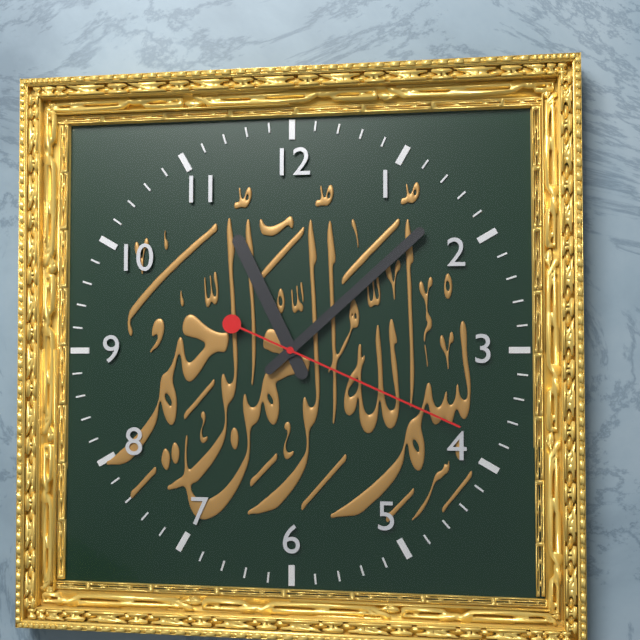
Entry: **11:08:19**
